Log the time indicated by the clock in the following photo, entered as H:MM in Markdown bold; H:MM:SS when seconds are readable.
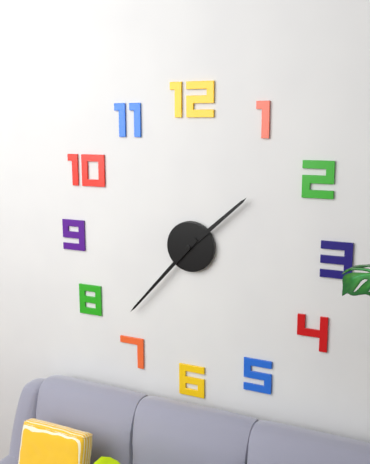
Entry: **1:37**
